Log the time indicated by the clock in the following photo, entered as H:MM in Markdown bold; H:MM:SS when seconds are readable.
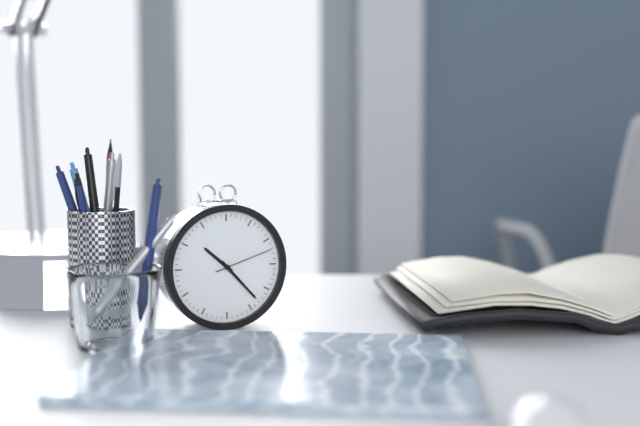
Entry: **10:23:12**
